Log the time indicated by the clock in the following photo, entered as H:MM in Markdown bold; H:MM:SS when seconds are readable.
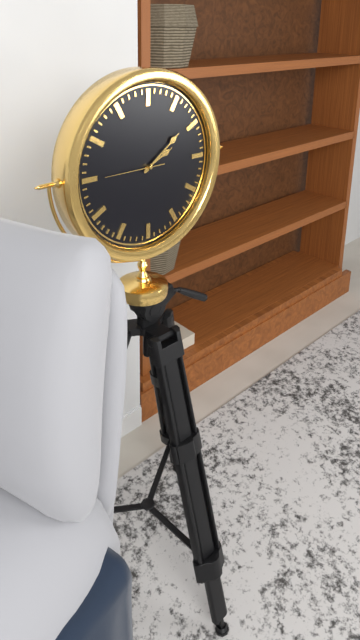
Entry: **2:09:45**
